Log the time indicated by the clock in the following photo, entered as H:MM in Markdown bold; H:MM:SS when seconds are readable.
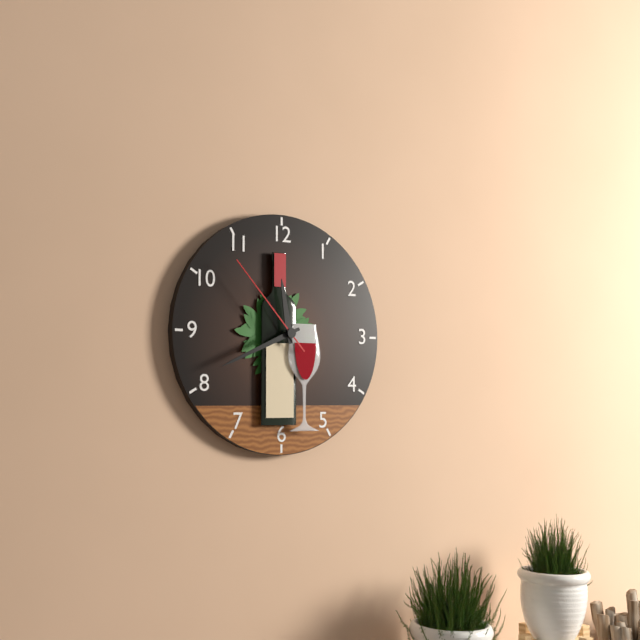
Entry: **11:41:53**
